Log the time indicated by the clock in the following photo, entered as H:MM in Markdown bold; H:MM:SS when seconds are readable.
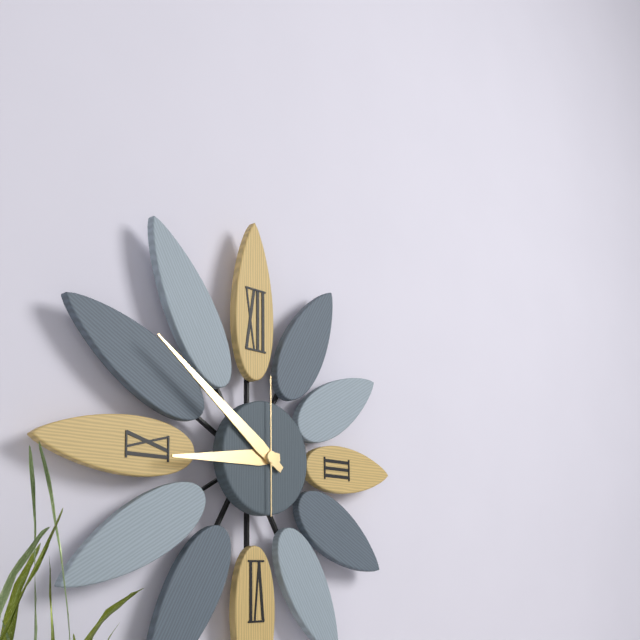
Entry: **8:51:00**
